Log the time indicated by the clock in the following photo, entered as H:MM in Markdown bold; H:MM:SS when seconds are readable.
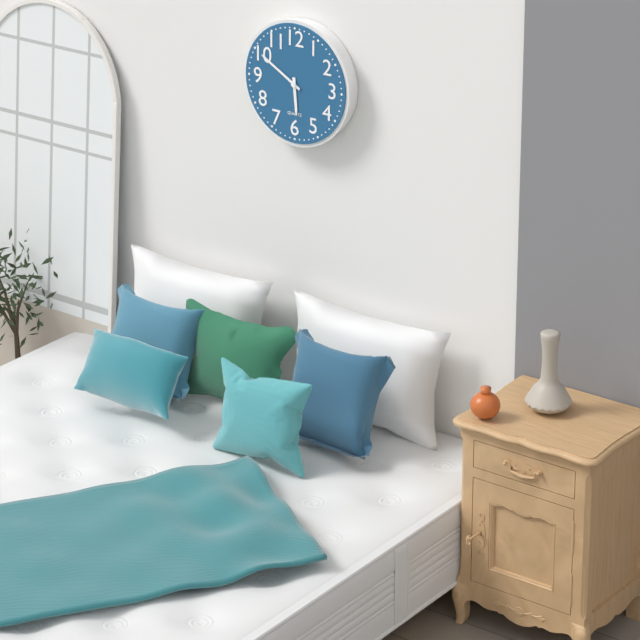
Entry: **5:50**
